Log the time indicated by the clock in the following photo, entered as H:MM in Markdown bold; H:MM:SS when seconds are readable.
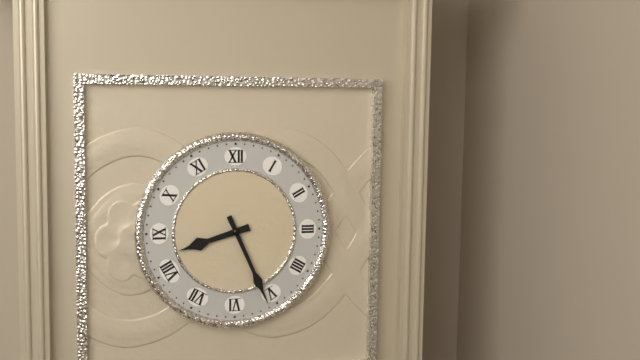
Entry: **8:26**
